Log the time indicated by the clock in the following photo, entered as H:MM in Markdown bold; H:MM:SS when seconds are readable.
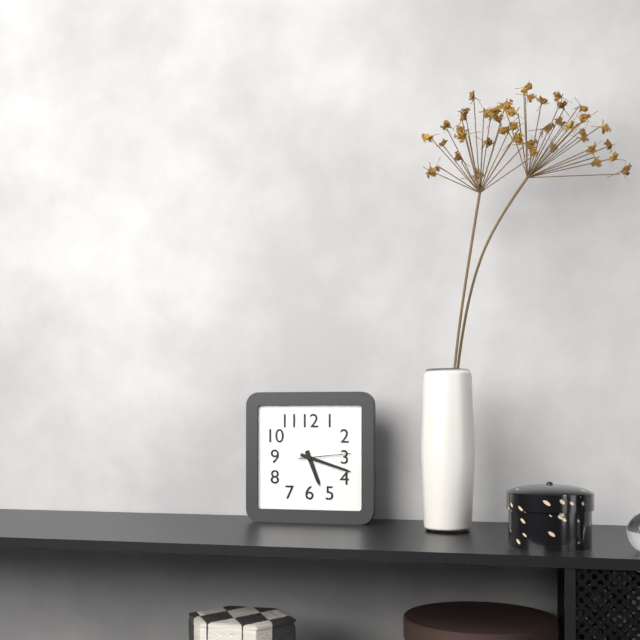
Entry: **5:18:14**
